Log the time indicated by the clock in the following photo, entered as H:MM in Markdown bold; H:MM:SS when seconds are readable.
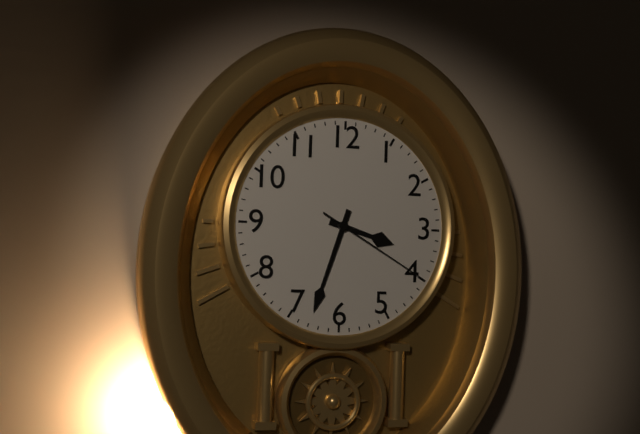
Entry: **3:33:20**
